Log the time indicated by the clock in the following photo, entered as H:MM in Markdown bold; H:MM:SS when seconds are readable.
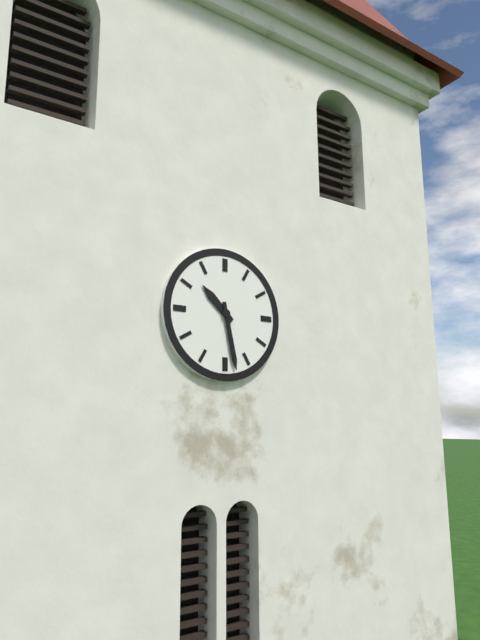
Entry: **10:28**
